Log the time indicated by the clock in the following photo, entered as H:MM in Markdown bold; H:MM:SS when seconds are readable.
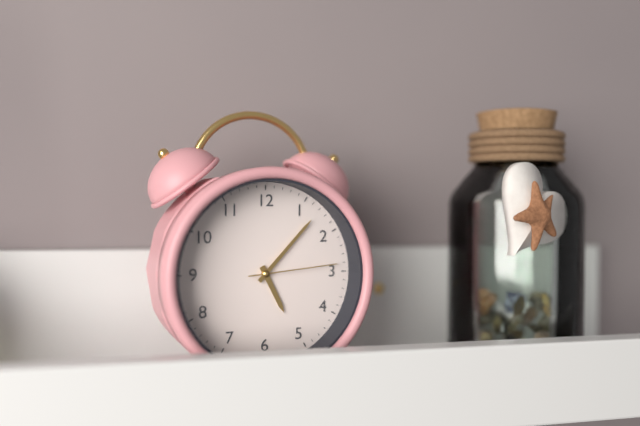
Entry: **5:07:14**
